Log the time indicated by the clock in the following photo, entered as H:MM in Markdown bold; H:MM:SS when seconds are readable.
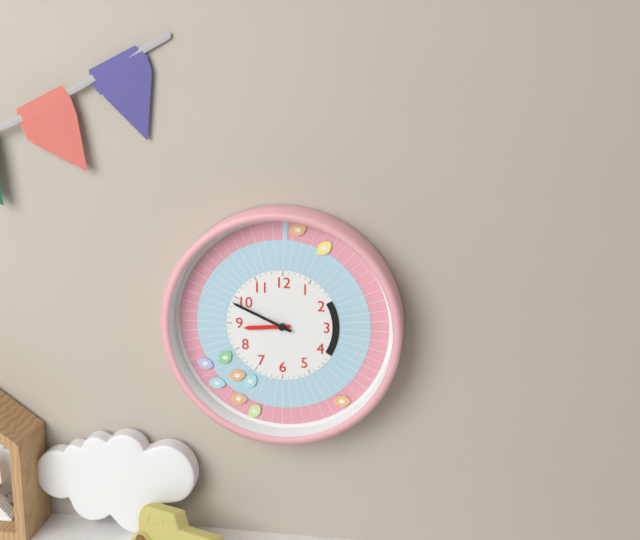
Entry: **8:49**
